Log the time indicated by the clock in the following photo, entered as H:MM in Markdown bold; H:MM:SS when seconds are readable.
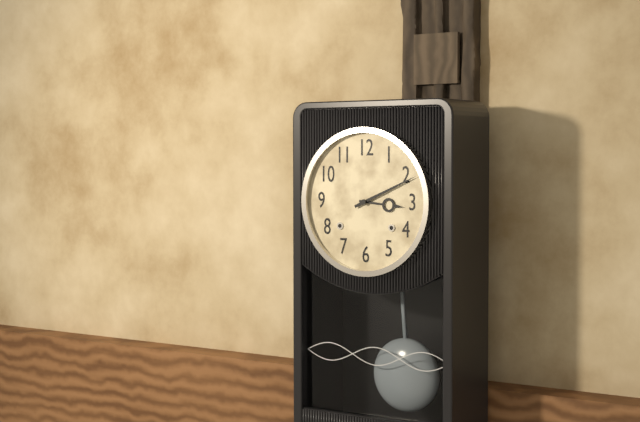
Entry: **3:11**
